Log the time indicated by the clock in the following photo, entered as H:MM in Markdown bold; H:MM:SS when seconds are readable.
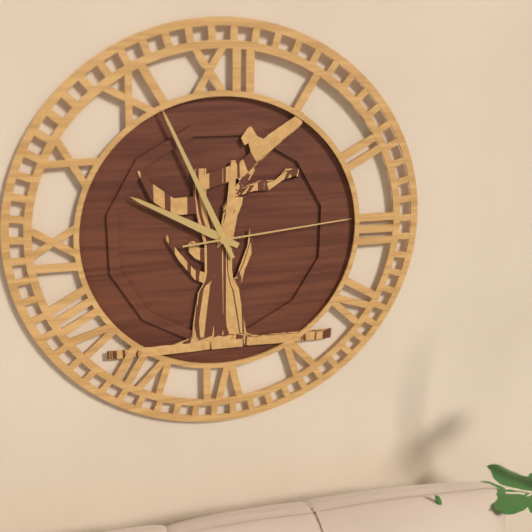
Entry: **9:56:14**
